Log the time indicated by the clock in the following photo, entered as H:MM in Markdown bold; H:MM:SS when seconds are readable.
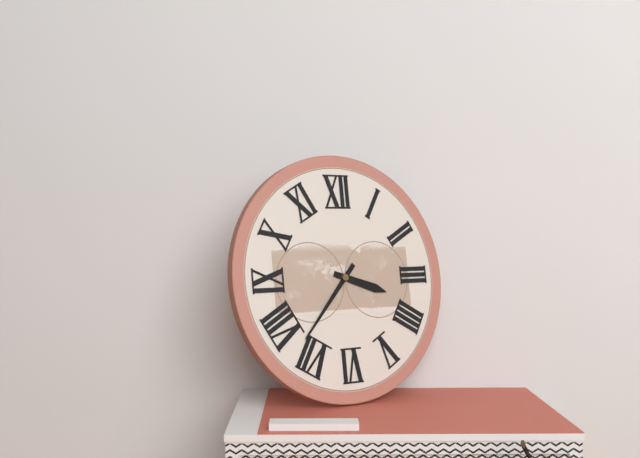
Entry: **3:37**
